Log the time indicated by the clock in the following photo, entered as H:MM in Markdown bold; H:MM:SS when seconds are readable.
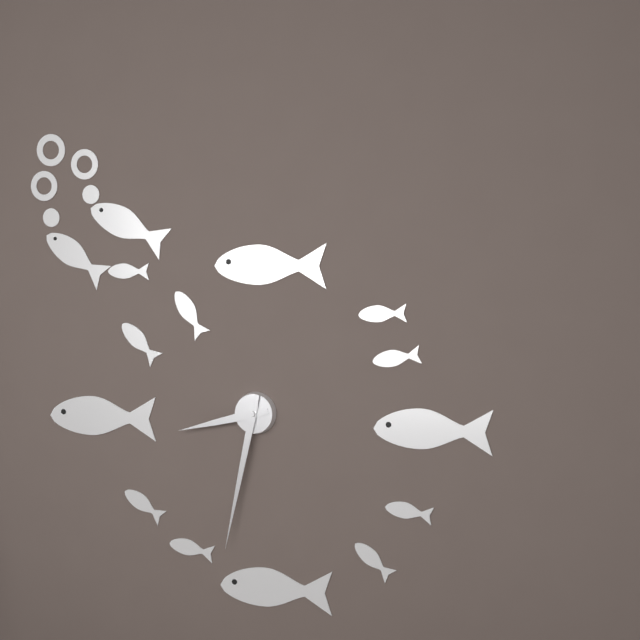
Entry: **8:32**
